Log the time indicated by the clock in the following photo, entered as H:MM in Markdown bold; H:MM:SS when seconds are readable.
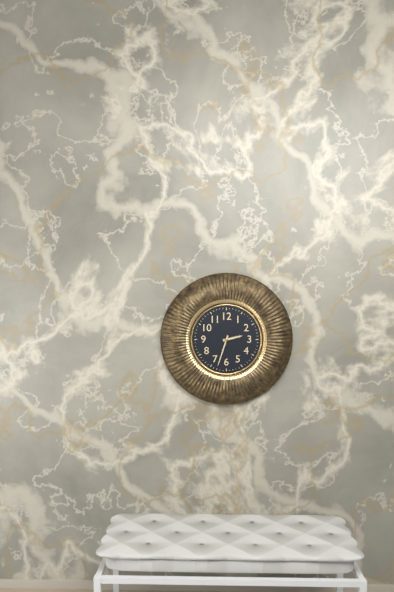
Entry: **2:33**
